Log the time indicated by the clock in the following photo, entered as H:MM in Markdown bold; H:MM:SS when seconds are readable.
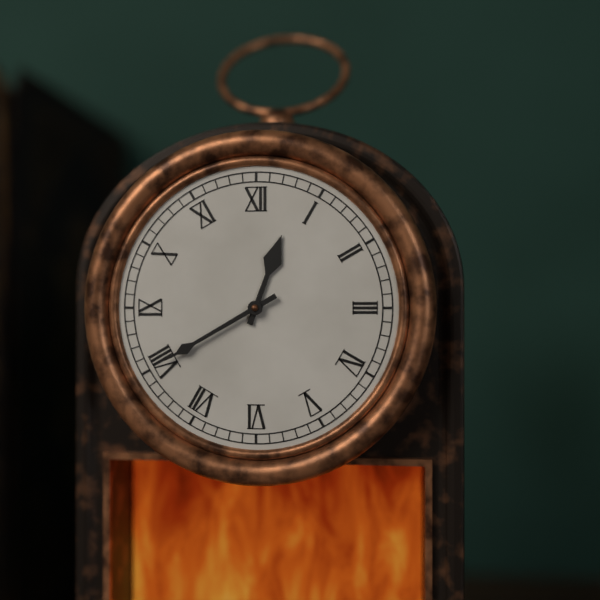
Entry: **12:40**
